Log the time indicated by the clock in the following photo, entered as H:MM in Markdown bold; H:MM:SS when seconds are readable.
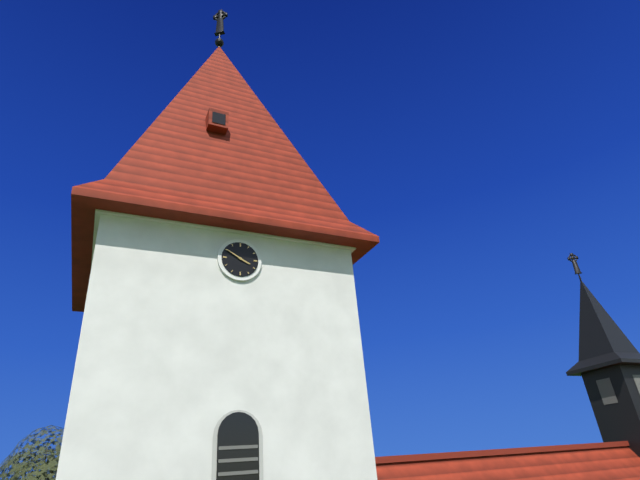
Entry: **3:50**
